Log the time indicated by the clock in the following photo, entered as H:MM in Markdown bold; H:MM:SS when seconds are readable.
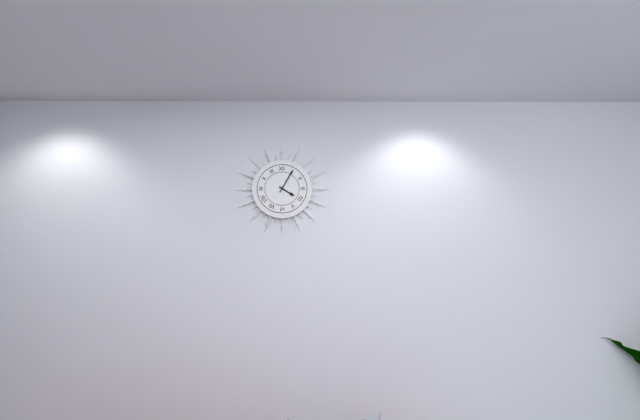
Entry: **4:05**
